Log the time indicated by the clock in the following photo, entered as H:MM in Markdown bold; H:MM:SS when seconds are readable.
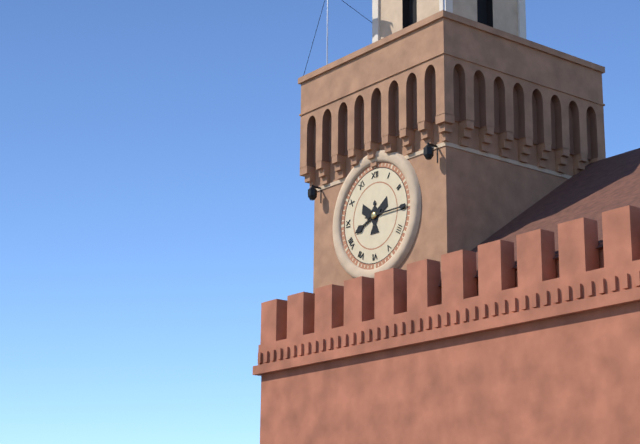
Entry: **8:15**
